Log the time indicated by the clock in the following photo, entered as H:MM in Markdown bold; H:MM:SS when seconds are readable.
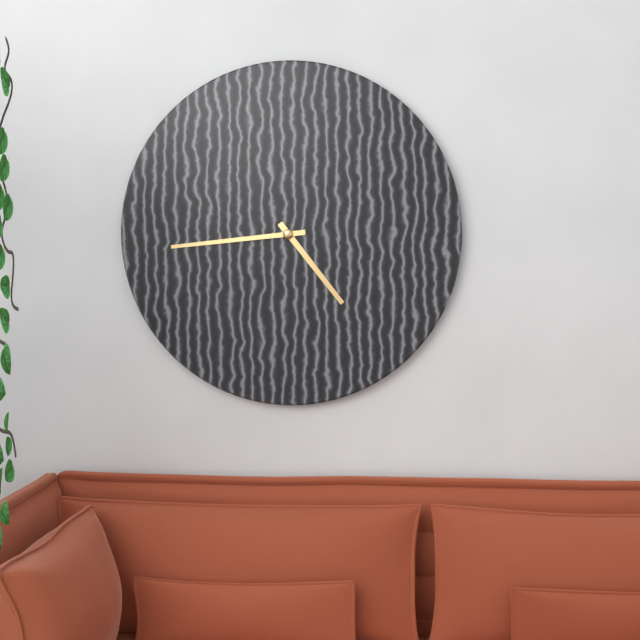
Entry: **4:44**
